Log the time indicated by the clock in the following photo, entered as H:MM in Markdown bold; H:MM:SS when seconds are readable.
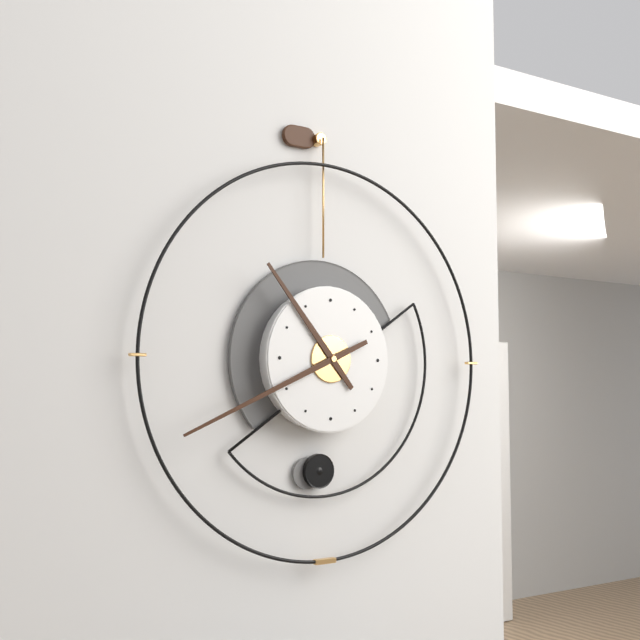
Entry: **10:41**
